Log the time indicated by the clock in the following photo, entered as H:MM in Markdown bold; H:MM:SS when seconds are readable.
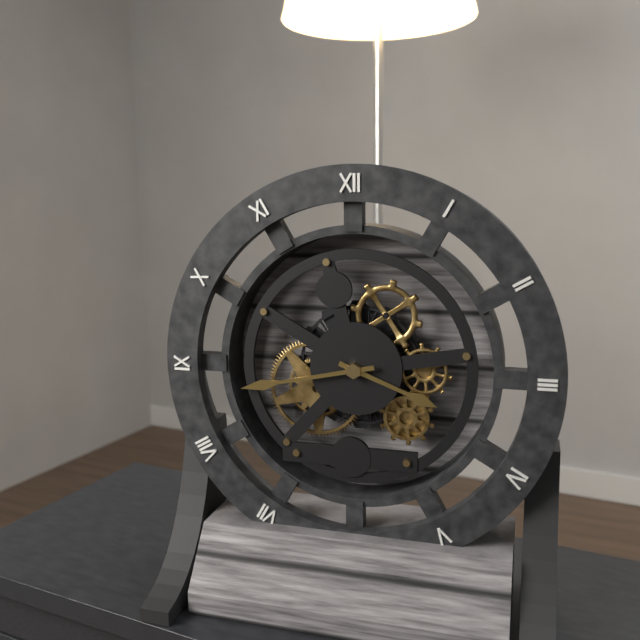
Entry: **3:43**
